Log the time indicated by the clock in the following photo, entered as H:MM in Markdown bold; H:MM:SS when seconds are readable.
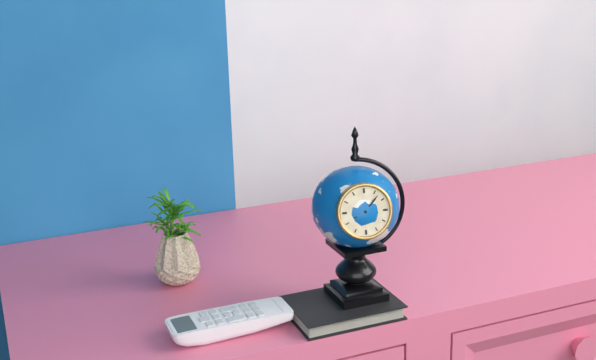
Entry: **8:07**
